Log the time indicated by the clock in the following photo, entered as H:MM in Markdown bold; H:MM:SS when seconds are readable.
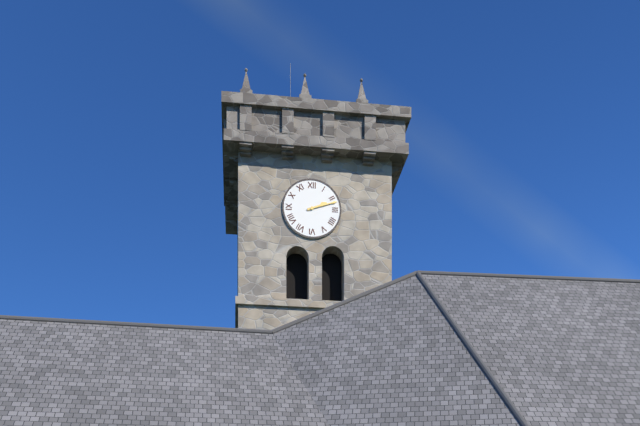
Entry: **2:12**
